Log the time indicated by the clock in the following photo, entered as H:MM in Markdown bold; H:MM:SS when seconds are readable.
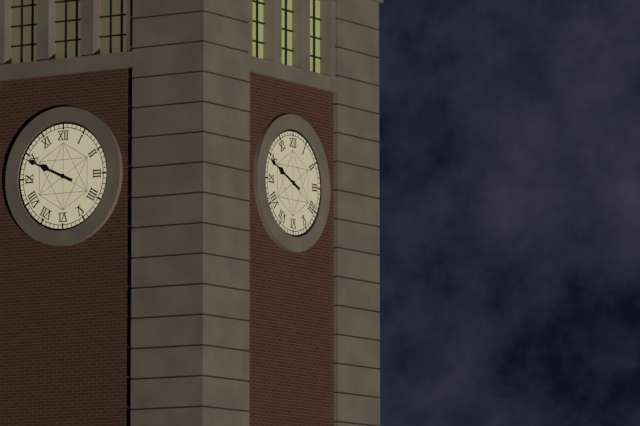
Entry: **9:49**
